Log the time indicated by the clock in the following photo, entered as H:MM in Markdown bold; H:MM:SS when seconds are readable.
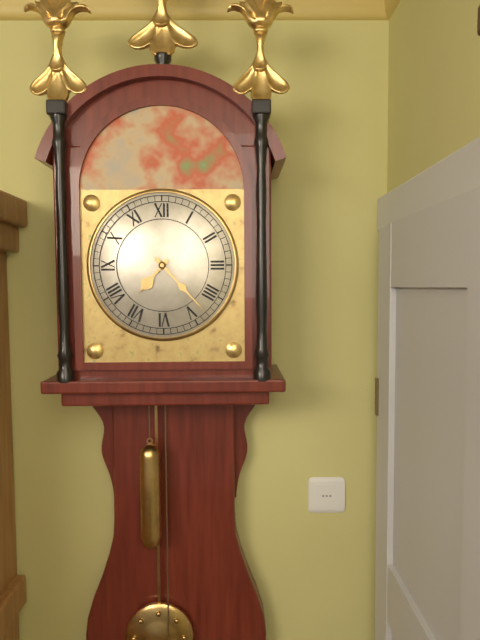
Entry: **7:23**
